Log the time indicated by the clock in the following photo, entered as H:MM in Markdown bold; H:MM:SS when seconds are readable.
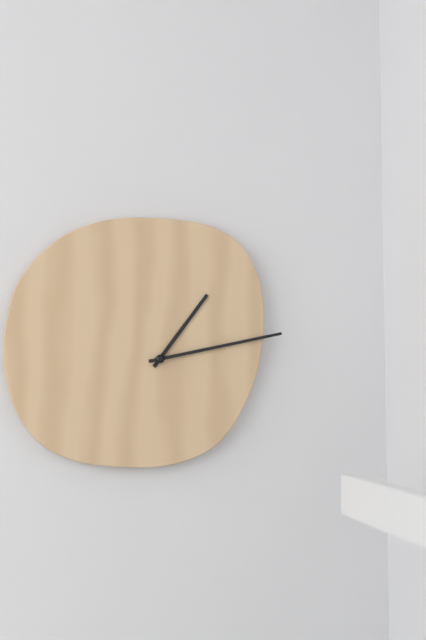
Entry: **1:13**
